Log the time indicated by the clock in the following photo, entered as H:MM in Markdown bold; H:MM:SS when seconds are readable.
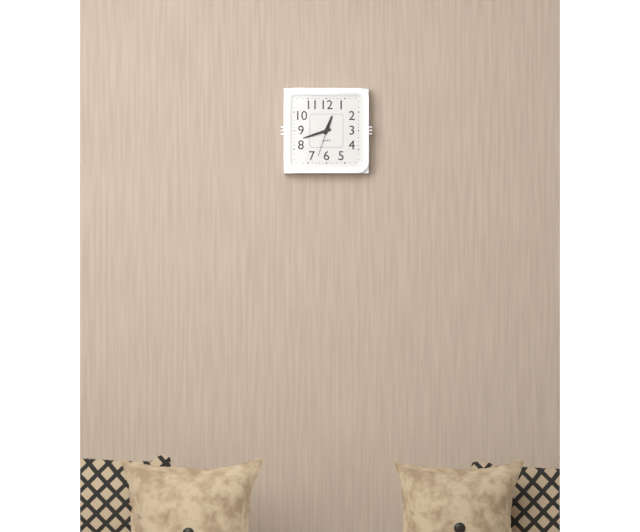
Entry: **12:42**
